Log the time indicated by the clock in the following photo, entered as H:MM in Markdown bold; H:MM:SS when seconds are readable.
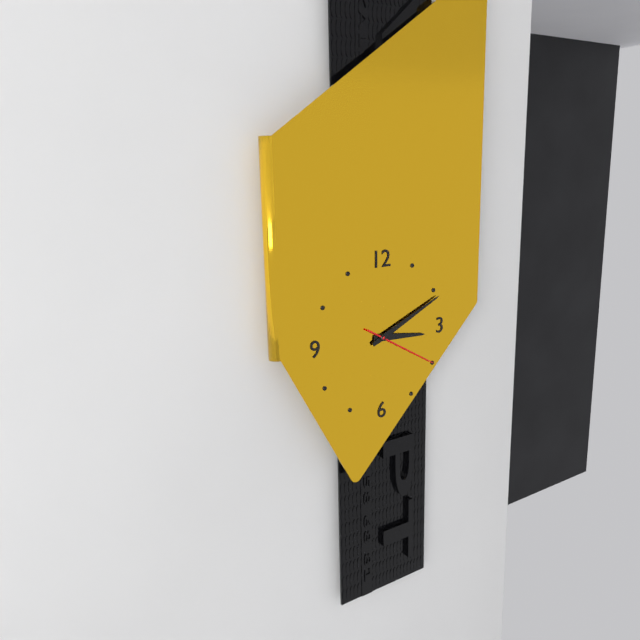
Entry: **3:11:20**
